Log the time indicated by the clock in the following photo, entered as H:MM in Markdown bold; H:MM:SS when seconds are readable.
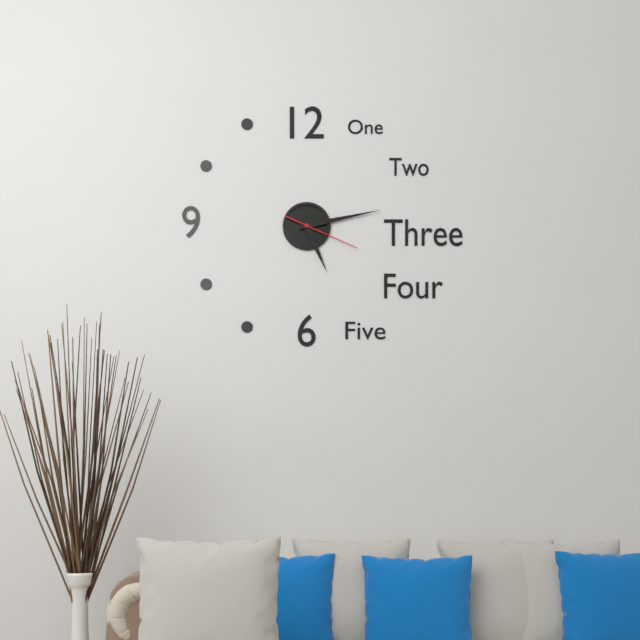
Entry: **5:13:19**
